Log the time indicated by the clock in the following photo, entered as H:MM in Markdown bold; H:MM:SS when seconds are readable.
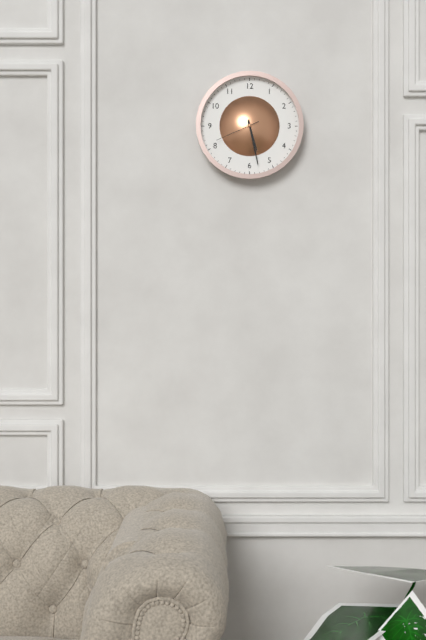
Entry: **5:28**
